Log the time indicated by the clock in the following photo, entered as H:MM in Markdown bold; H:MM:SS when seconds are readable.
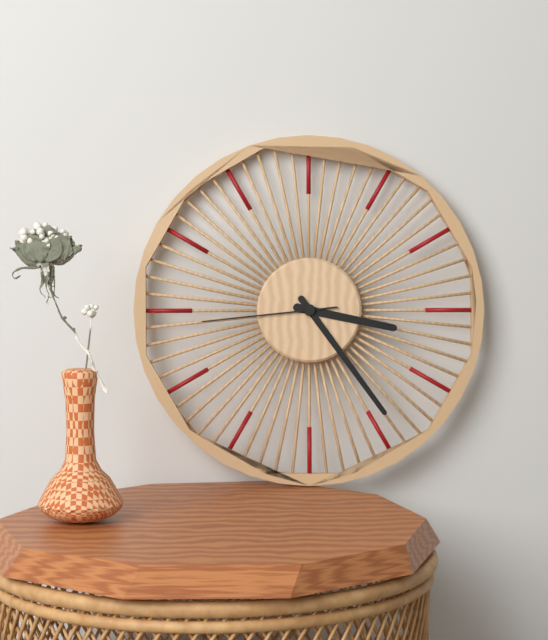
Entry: **3:24:44**
